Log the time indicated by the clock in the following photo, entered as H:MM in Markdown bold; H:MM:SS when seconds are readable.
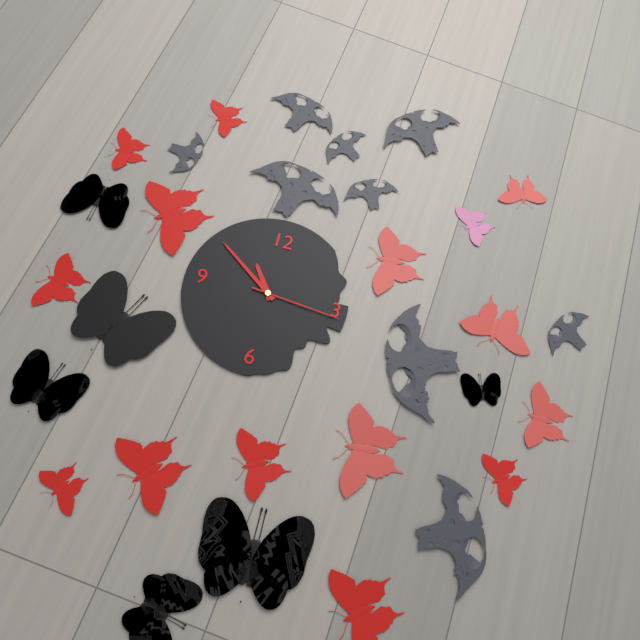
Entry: **10:51:16**
